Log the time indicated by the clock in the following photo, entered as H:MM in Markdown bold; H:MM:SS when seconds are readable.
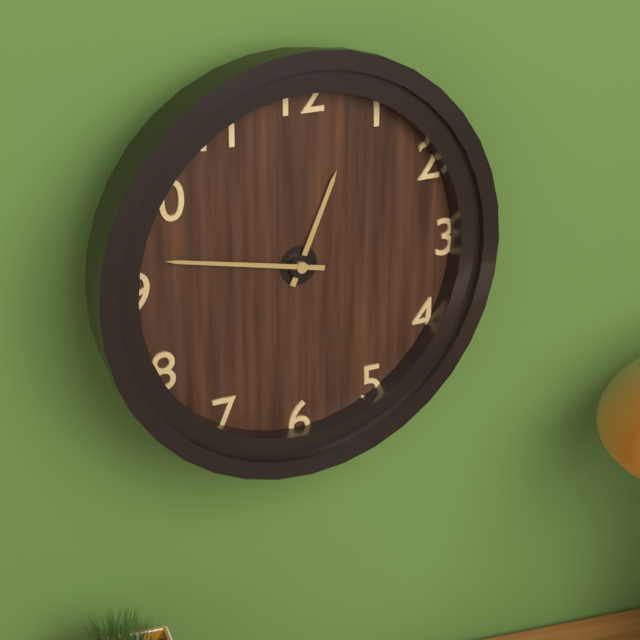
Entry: **12:47**
